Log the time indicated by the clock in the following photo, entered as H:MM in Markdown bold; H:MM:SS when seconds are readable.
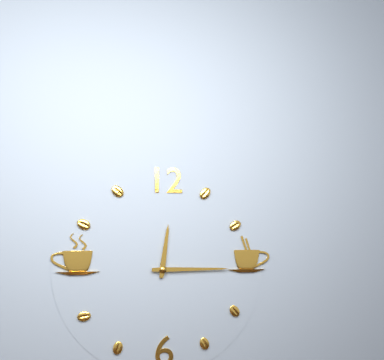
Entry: **12:15**
